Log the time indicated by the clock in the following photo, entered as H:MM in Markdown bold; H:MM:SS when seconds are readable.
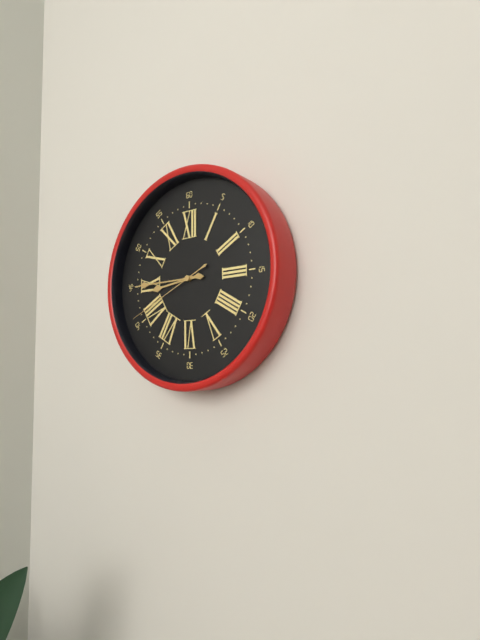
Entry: **8:45:41**
